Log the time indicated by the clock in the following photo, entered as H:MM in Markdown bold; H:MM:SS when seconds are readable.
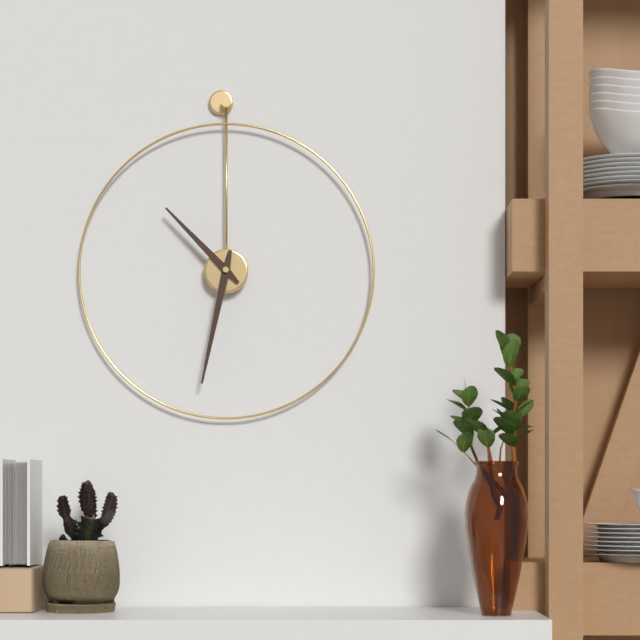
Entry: **10:32**
